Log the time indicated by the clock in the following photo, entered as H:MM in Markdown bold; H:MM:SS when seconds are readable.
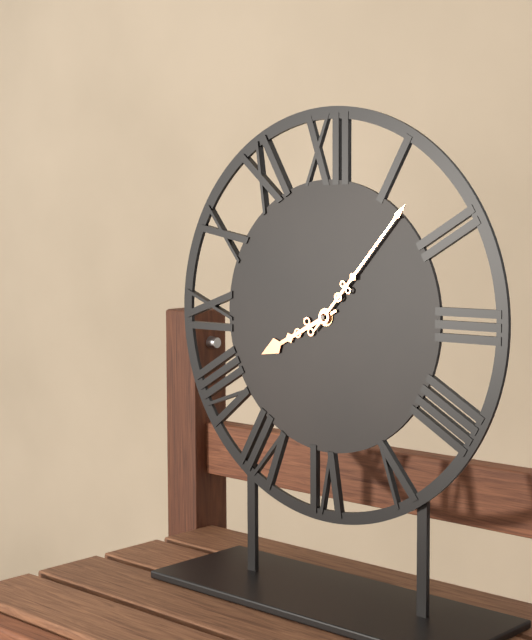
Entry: **8:07**
